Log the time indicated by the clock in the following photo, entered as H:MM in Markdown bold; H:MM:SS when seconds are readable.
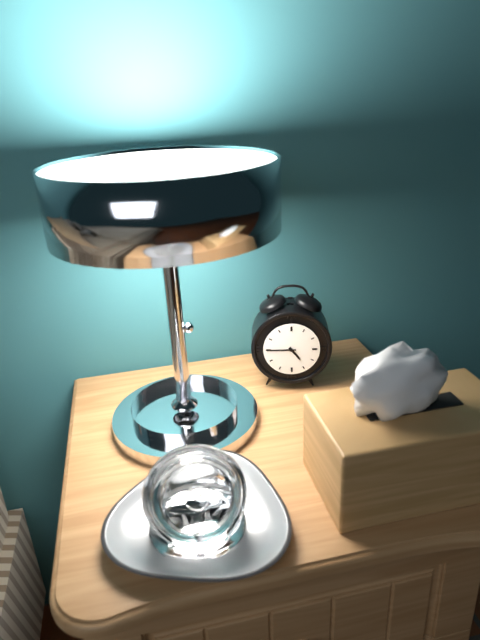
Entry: **4:45**
